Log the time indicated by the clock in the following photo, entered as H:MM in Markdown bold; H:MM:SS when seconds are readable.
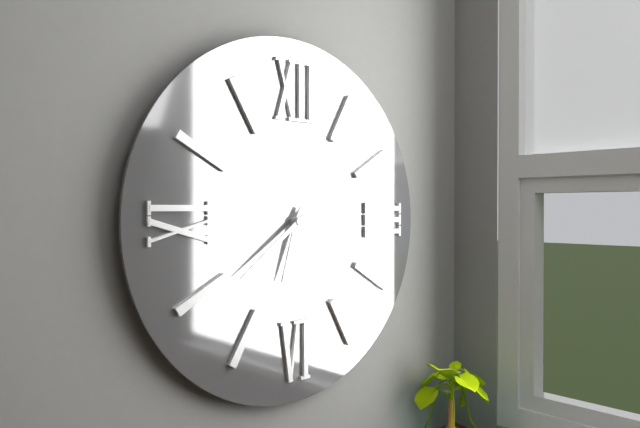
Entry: **6:39**
